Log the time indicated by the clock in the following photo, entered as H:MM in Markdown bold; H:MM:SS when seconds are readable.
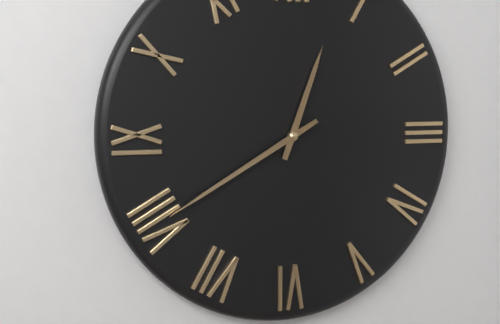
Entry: **12:40**
